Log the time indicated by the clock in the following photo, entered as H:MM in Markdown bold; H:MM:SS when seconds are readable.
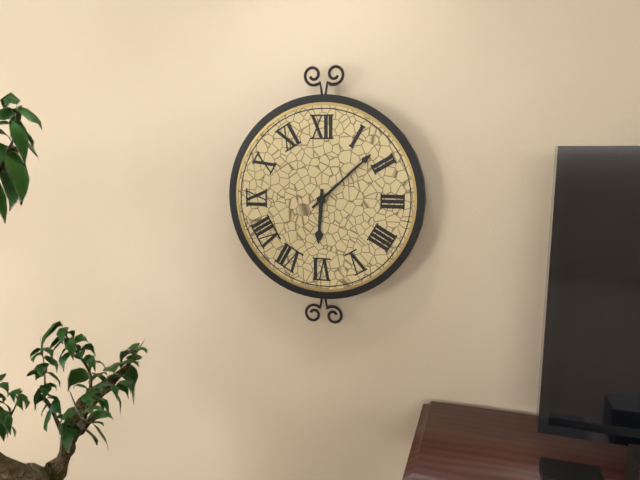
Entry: **6:08**
